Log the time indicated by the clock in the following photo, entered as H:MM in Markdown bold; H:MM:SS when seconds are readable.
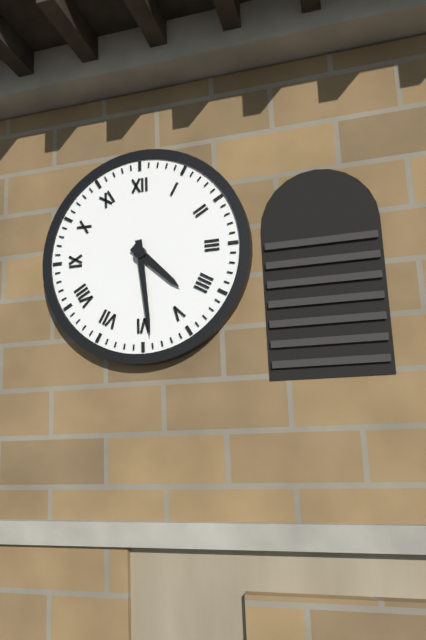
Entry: **4:29**
